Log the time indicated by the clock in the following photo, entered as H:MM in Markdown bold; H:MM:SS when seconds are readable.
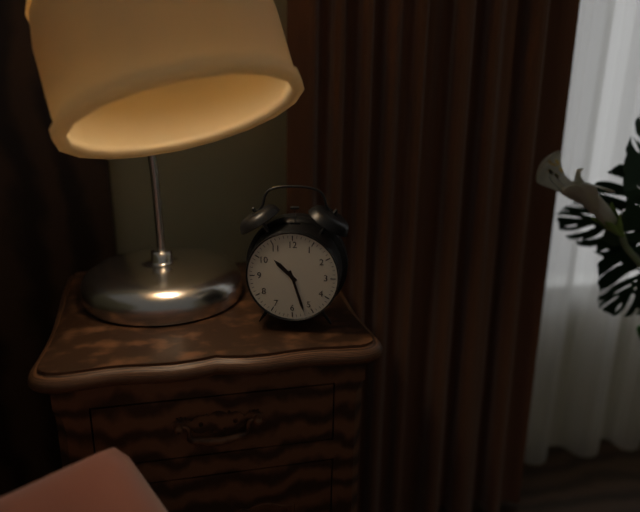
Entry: **10:27**
